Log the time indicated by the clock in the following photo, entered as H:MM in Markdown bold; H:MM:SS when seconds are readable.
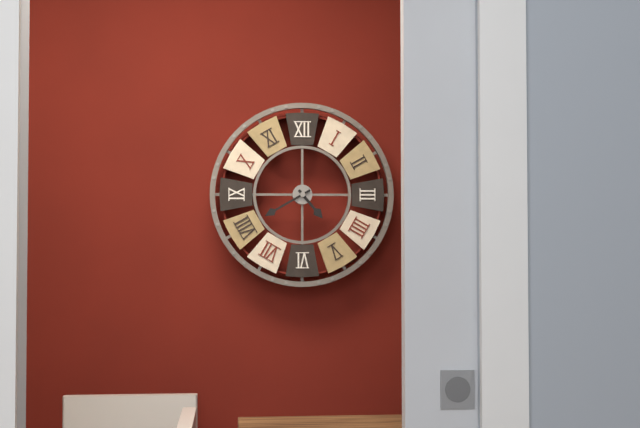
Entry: **4:40**
